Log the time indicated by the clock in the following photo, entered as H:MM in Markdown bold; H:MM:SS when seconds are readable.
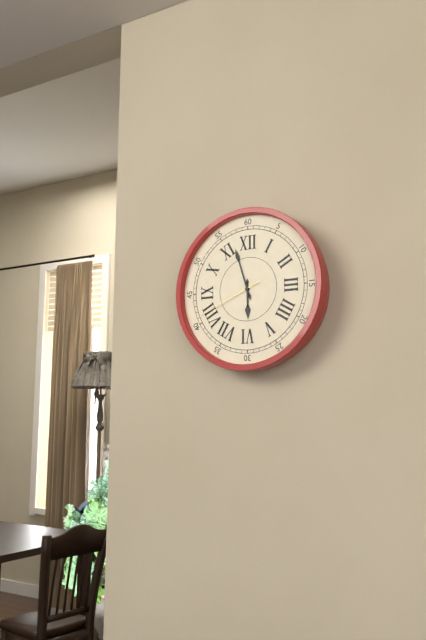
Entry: **5:57:41**
